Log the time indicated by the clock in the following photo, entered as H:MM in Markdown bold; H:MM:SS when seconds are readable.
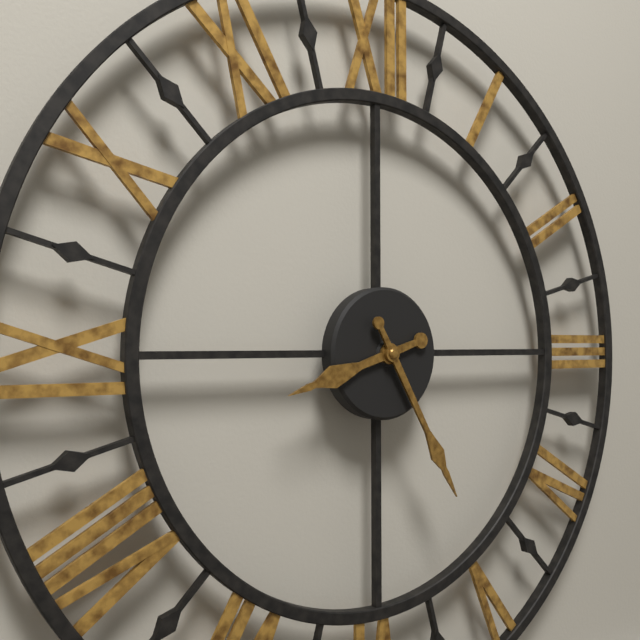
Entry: **8:25**
